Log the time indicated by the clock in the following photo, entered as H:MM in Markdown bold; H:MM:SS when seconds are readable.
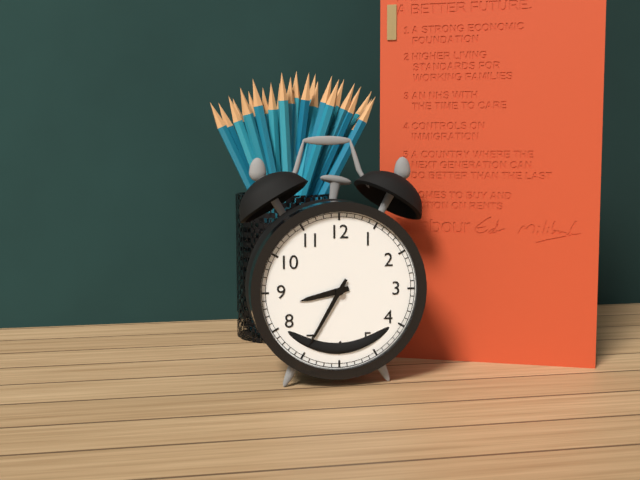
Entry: **8:35**
